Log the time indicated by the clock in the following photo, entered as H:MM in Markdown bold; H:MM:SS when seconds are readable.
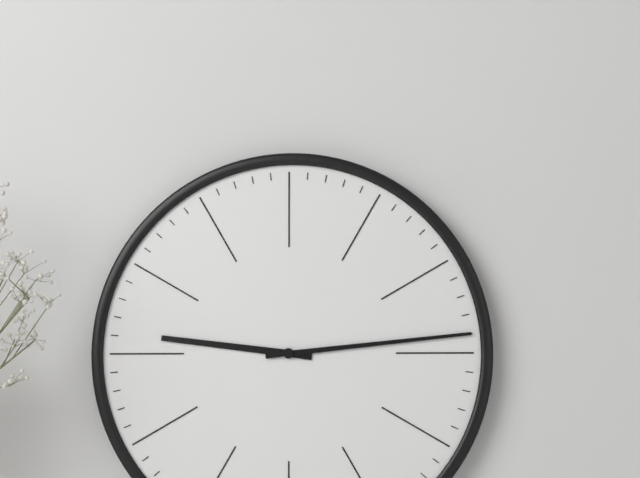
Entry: **9:14**
